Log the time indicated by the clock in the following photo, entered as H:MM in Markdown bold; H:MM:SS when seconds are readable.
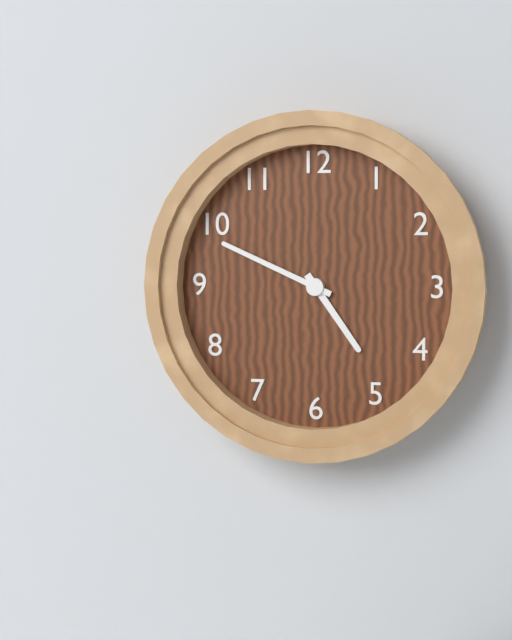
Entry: **4:49**
